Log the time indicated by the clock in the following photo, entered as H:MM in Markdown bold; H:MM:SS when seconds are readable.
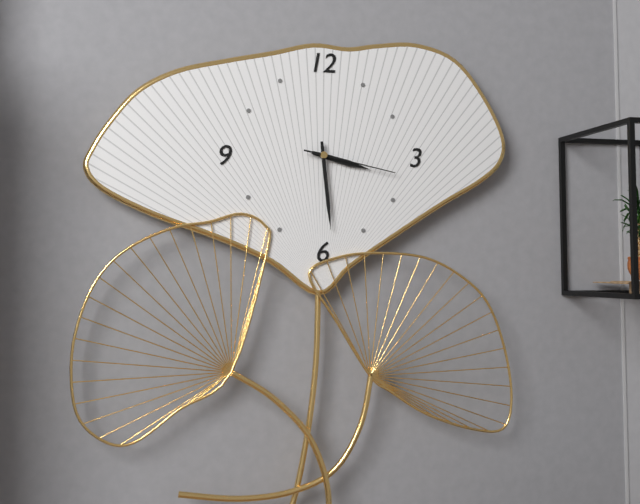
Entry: **3:29:17**
